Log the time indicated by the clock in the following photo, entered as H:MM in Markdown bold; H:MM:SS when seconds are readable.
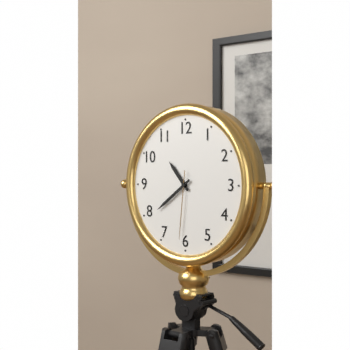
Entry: **10:39:31**
